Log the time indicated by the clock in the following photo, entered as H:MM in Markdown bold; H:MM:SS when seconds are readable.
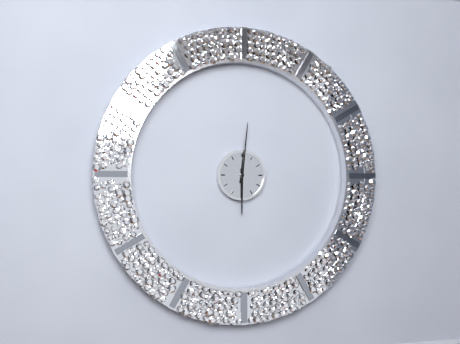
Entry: **6:01**
